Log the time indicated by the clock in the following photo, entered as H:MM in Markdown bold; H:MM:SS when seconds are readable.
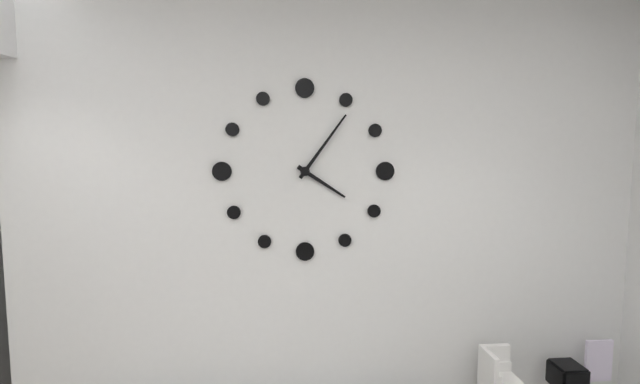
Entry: **4:06**
